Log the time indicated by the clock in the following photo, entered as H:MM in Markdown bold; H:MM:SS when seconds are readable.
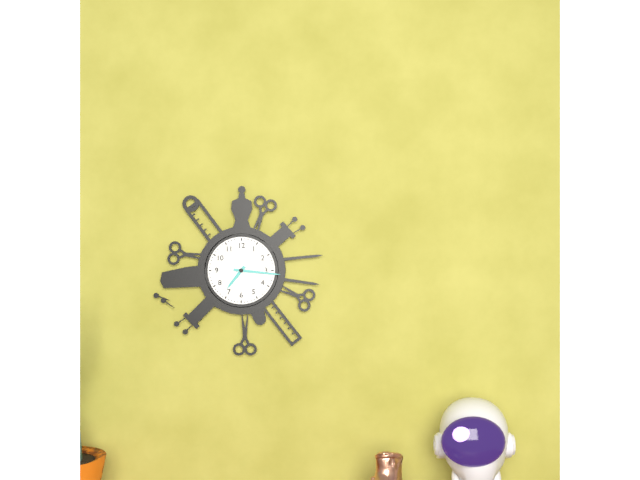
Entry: **7:16**
